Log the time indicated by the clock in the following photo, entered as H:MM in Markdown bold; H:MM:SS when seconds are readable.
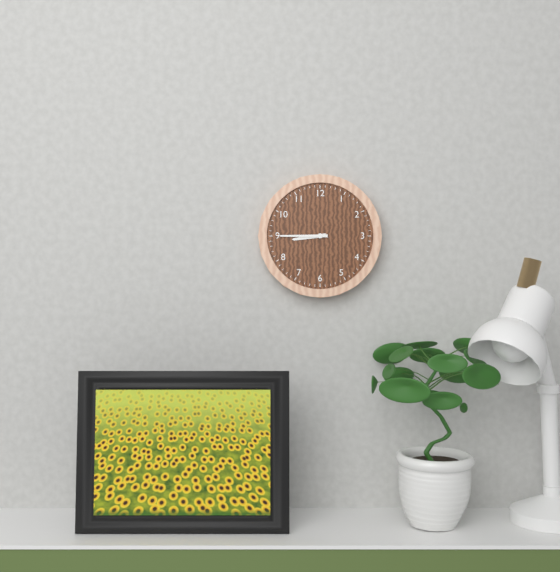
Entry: **8:45**
